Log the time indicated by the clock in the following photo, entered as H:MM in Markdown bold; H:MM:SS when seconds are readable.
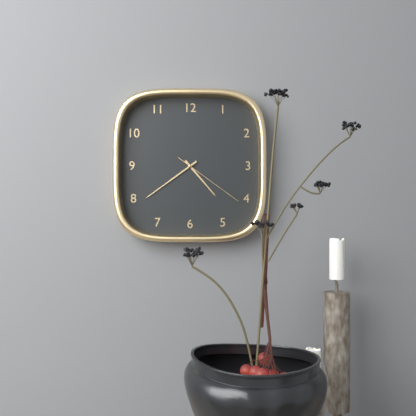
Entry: **4:39:21**
